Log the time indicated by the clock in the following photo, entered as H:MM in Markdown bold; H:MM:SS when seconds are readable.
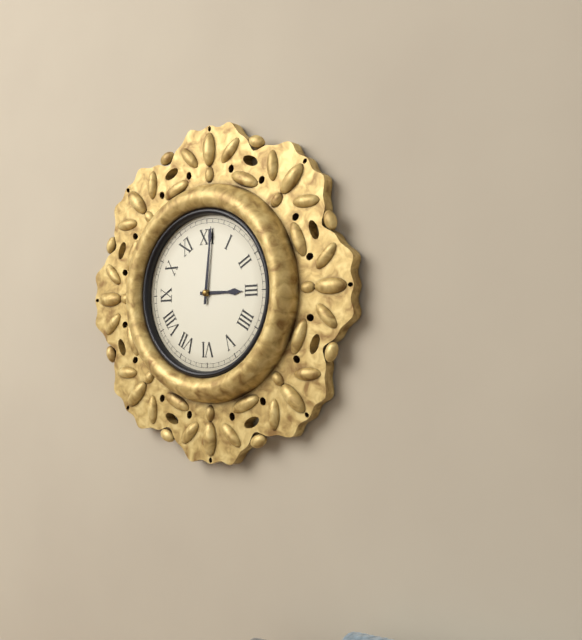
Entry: **3:01**
